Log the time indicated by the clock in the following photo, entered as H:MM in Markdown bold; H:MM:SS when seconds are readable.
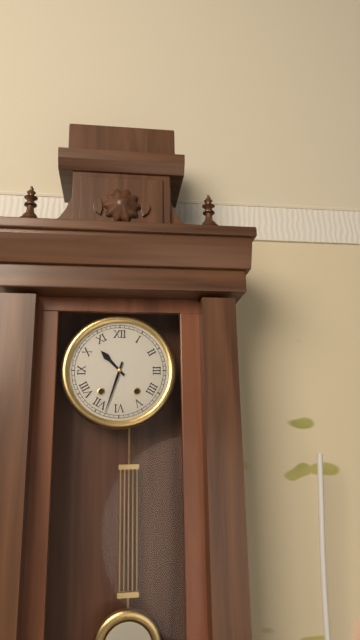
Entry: **10:33**
